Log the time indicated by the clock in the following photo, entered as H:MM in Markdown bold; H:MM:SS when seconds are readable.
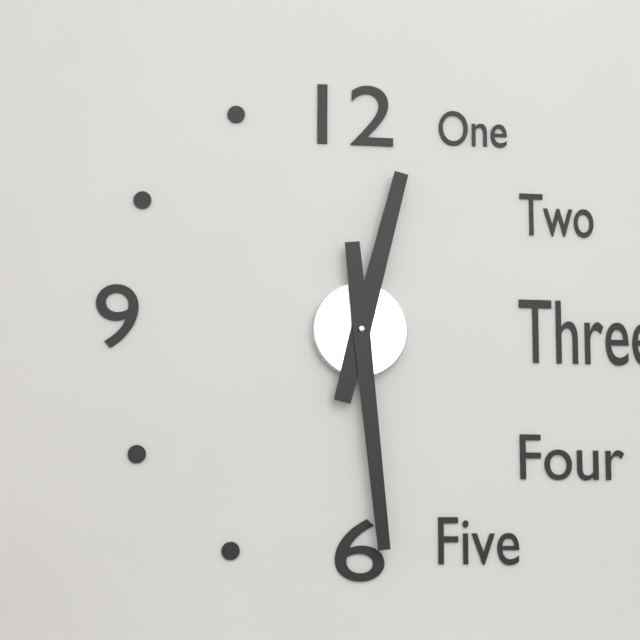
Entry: **12:29**
